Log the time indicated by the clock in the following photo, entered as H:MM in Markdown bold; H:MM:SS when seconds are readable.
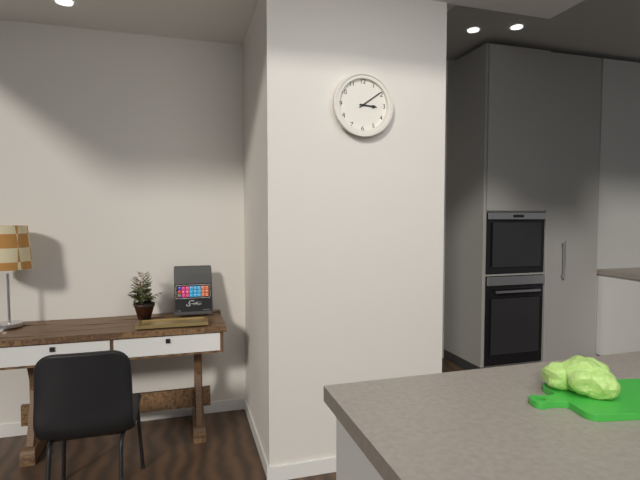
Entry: **3:09**
